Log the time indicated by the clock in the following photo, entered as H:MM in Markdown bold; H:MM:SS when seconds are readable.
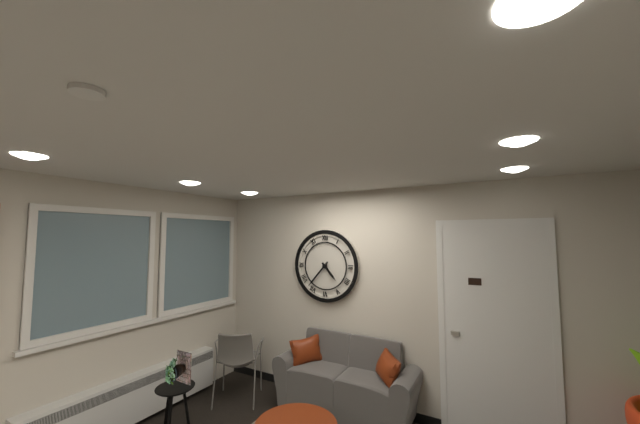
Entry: **4:37**
